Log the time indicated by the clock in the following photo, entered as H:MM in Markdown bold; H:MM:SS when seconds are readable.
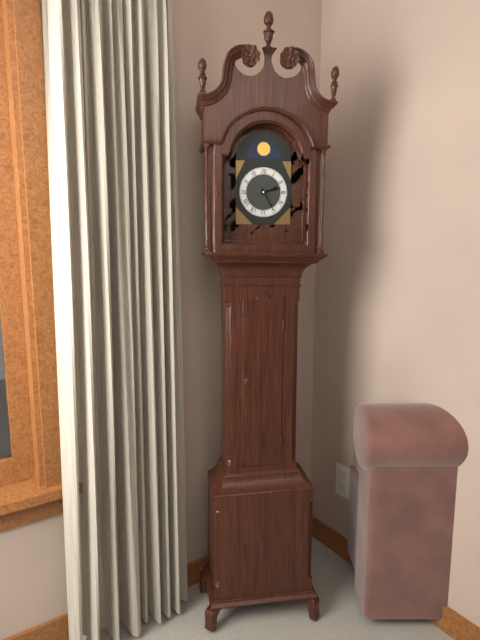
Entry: **2:25**
